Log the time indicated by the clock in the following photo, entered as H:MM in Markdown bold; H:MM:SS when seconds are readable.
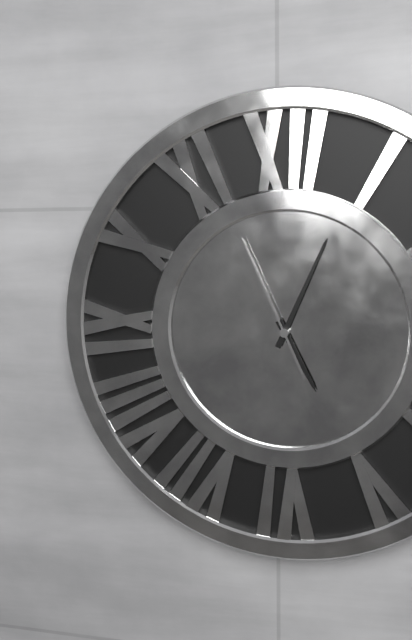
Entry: **5:04:56**
